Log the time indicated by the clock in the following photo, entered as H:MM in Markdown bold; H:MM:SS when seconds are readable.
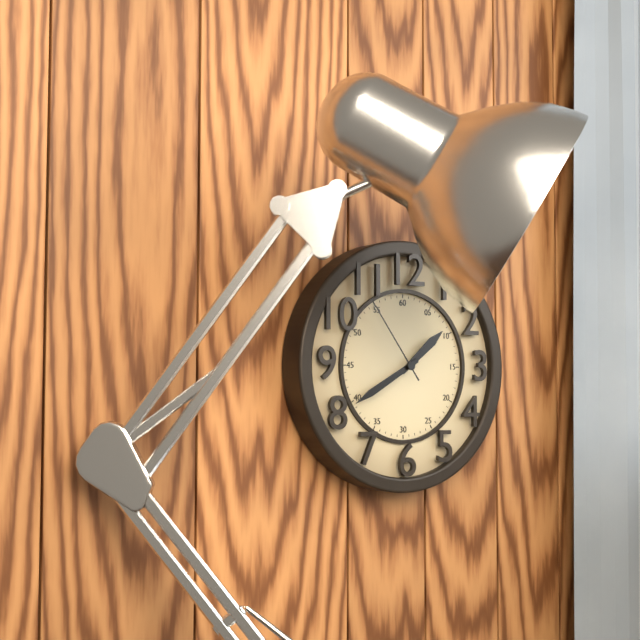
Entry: **1:40:54**
